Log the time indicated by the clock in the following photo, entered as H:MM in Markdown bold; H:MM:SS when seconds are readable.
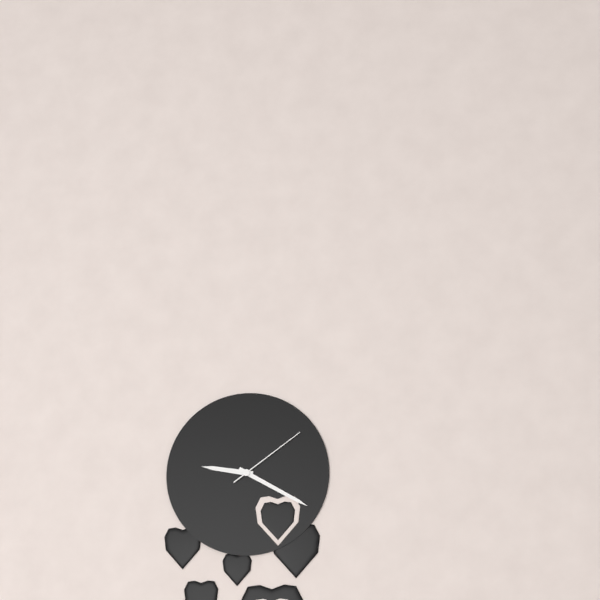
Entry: **9:20:09**
